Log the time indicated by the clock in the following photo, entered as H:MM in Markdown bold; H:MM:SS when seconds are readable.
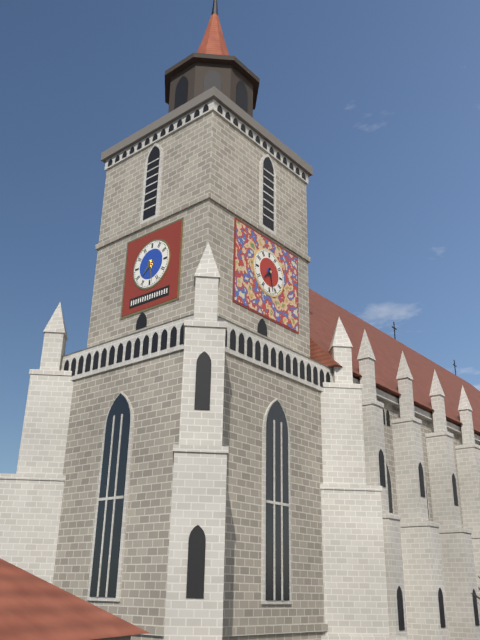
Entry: **7:28**
